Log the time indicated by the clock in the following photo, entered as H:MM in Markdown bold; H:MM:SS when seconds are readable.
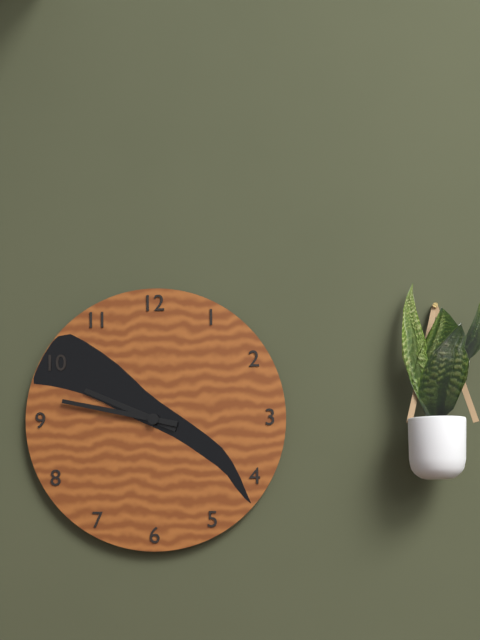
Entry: **9:47**
